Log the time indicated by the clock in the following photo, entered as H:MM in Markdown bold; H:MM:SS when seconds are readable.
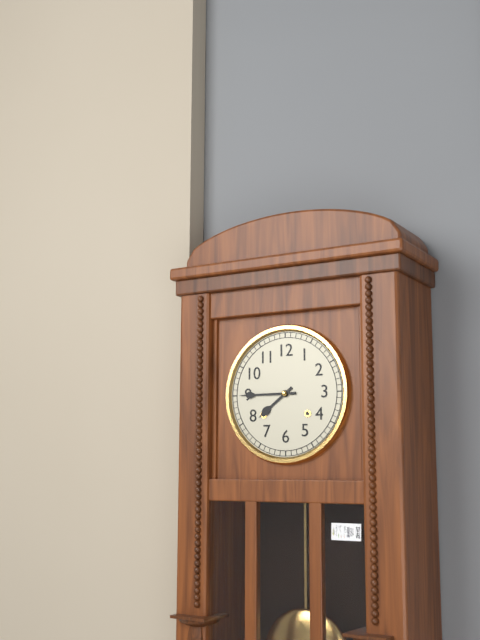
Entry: **7:45**
